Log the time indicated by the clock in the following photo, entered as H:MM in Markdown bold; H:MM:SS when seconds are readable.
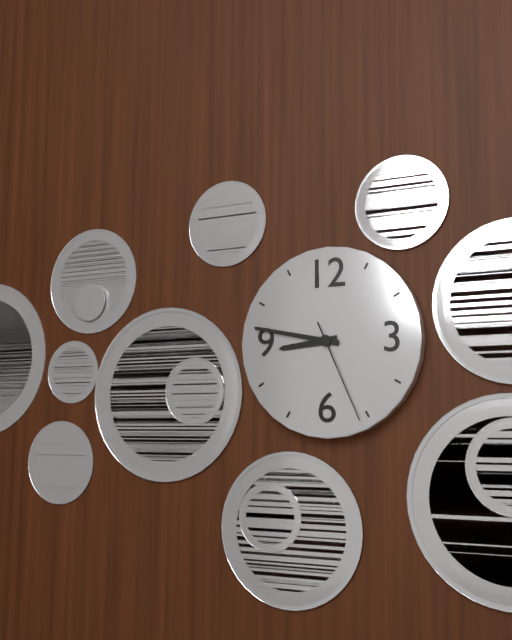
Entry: **8:47:26**
